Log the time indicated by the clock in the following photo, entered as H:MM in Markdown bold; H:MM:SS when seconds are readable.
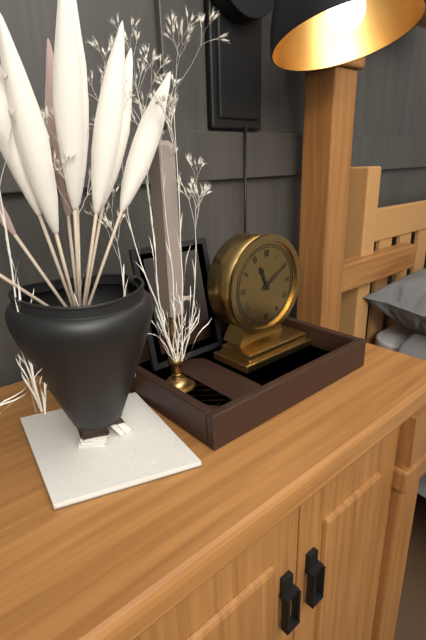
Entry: **11:10**
